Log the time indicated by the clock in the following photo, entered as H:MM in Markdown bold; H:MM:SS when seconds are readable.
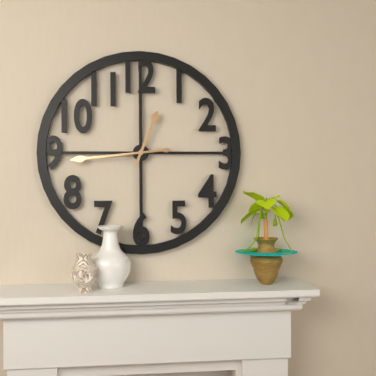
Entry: **12:44**
